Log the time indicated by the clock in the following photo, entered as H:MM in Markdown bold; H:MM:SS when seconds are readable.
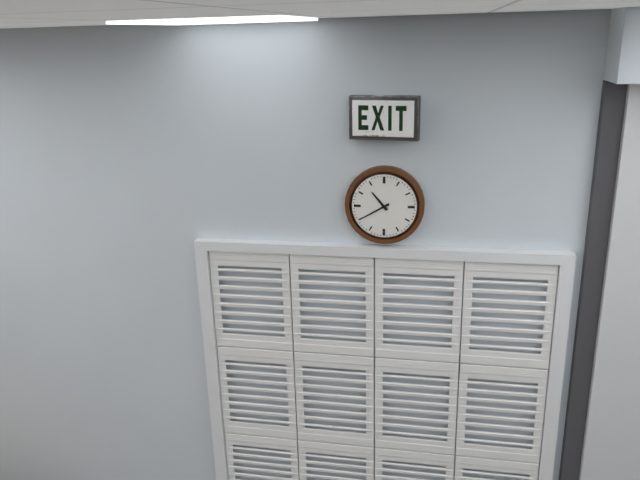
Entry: **10:40**
